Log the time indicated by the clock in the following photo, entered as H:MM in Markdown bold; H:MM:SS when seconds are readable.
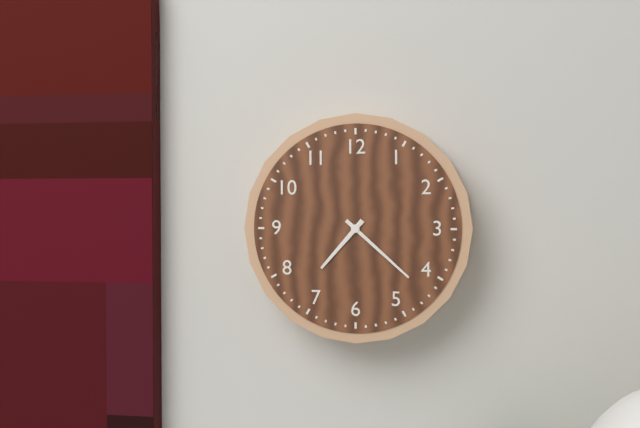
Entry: **7:22**
